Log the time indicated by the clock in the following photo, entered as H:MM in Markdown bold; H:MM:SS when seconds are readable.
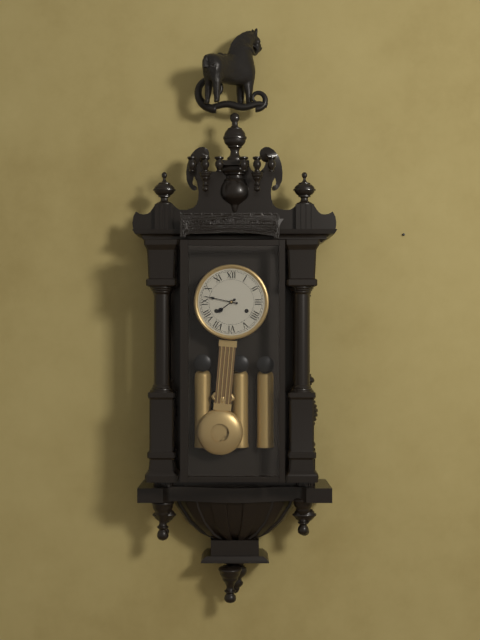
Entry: **7:47**
